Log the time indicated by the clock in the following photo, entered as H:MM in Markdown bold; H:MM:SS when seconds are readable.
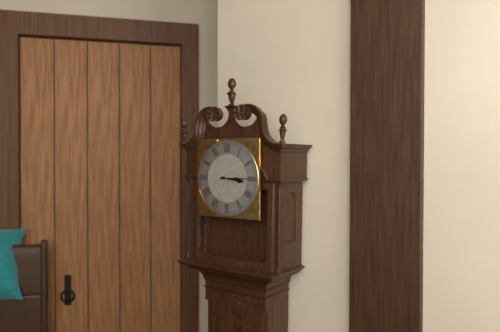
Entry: **3:15**
